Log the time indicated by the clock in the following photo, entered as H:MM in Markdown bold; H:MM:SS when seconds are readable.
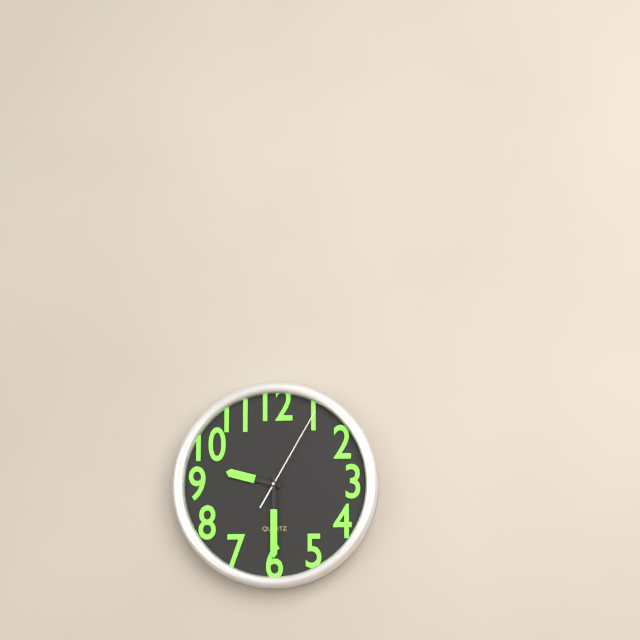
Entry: **9:30:05**
